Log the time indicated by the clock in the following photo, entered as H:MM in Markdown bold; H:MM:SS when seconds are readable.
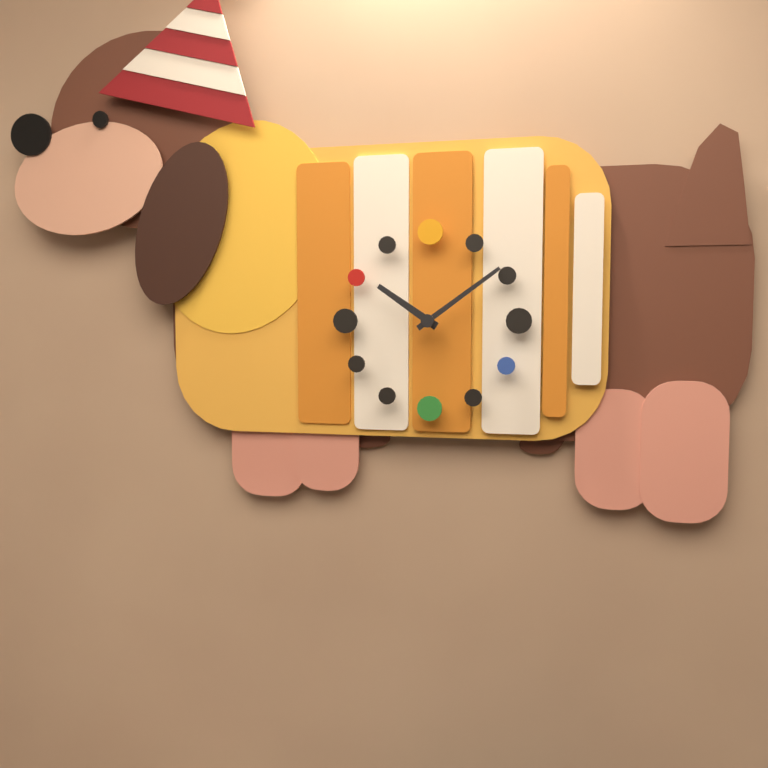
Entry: **10:09**
